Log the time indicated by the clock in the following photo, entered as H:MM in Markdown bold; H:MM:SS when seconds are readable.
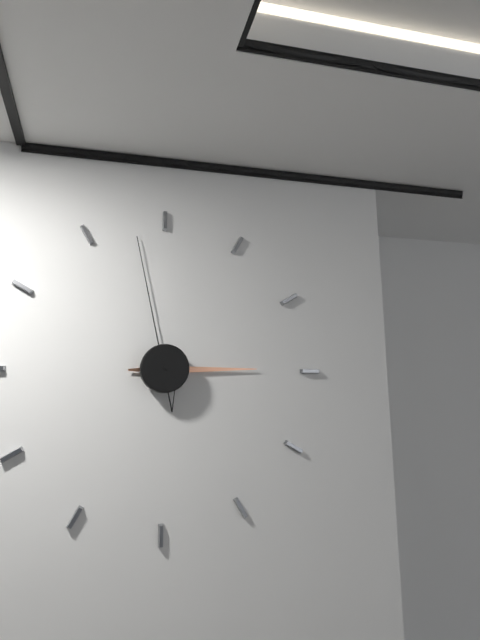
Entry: **2:58**
